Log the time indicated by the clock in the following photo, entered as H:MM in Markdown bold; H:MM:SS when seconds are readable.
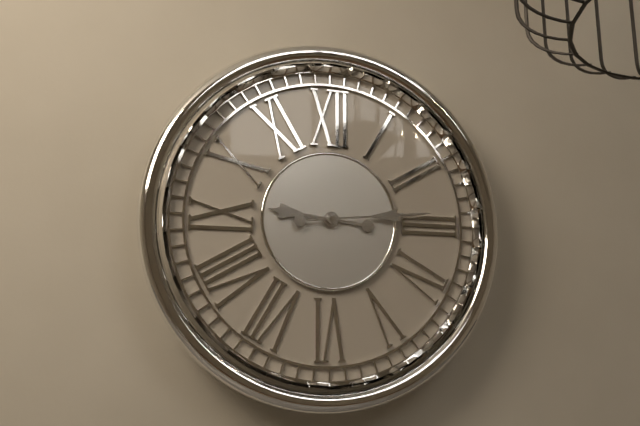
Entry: **9:14**
